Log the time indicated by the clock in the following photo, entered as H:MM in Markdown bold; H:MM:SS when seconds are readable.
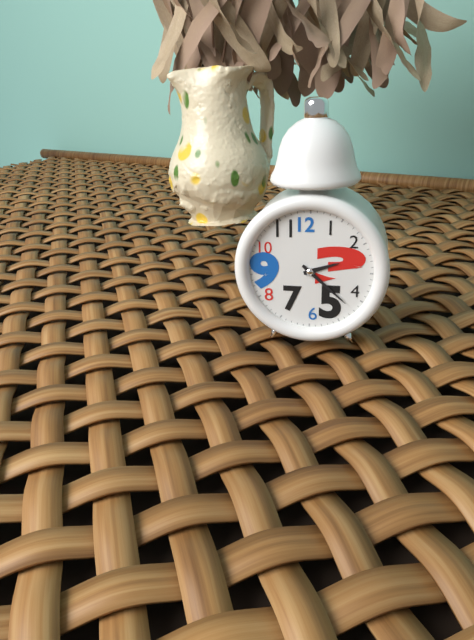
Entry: **2:22**
